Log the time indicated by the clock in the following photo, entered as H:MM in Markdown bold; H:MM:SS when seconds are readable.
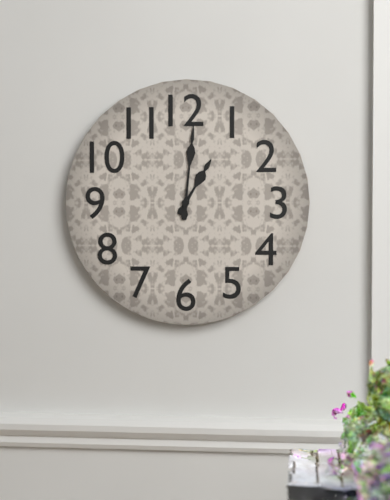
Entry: **1:01**
